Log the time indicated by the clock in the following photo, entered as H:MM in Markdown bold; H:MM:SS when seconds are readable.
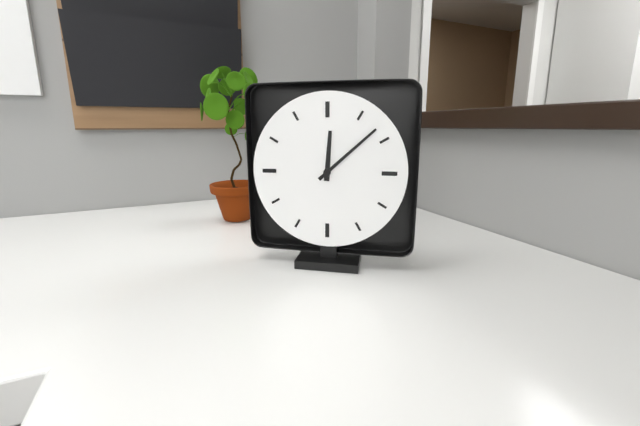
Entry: **12:08**
